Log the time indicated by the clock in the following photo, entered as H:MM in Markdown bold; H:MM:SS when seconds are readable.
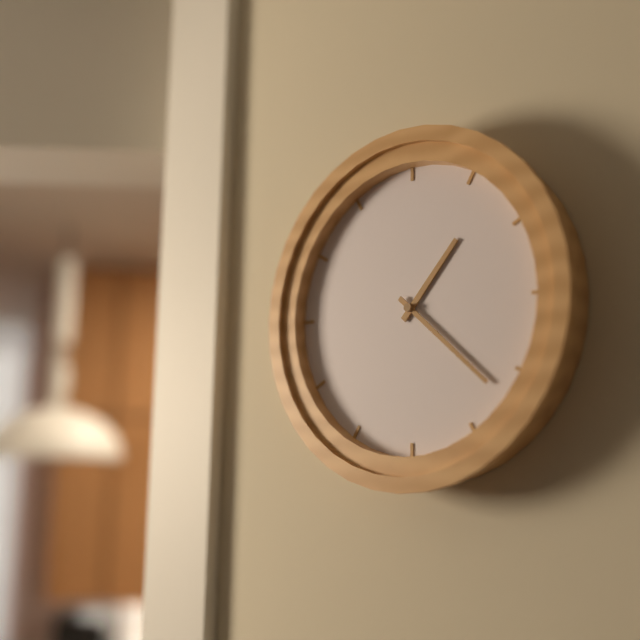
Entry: **1:22**
